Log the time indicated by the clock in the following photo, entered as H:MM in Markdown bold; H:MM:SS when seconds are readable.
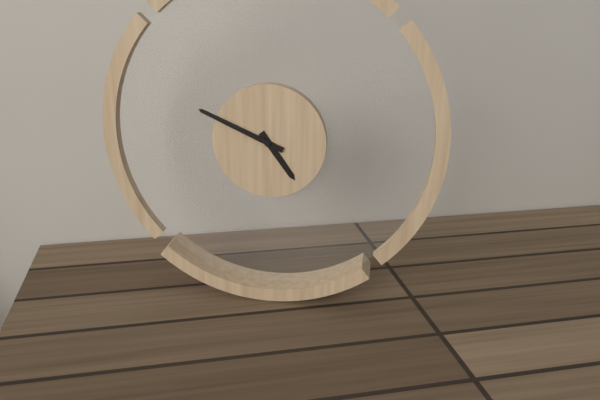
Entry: **4:49**
